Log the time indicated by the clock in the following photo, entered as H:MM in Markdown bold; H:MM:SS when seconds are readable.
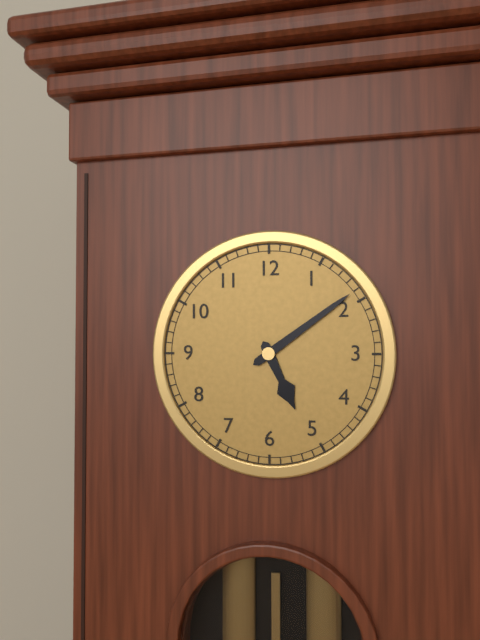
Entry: **5:09**
